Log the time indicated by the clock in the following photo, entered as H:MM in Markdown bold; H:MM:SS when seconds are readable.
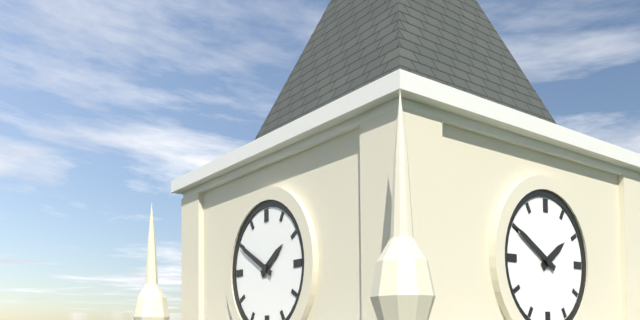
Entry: **1:50**
